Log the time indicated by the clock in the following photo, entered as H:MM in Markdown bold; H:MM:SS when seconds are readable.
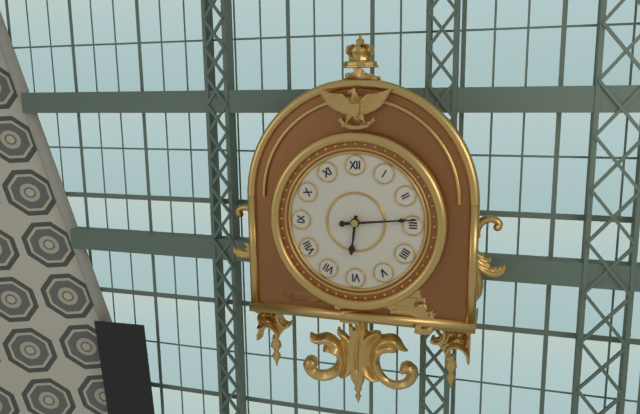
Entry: **6:14**
